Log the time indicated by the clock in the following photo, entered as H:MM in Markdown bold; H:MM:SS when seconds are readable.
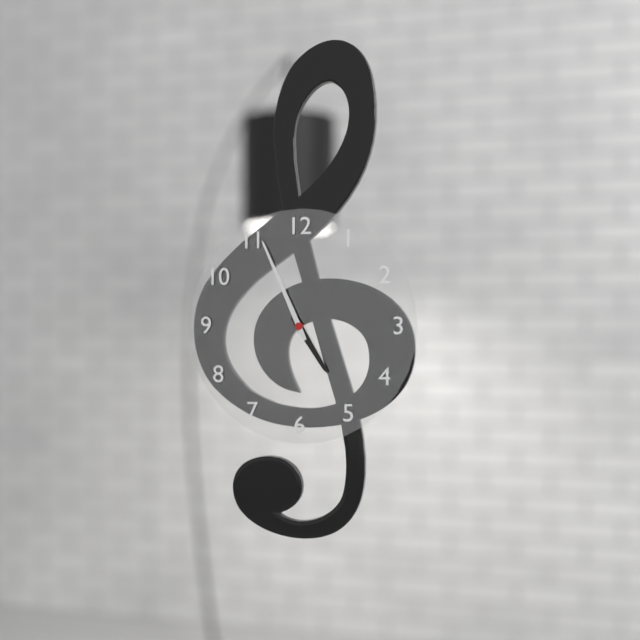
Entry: **4:56**
